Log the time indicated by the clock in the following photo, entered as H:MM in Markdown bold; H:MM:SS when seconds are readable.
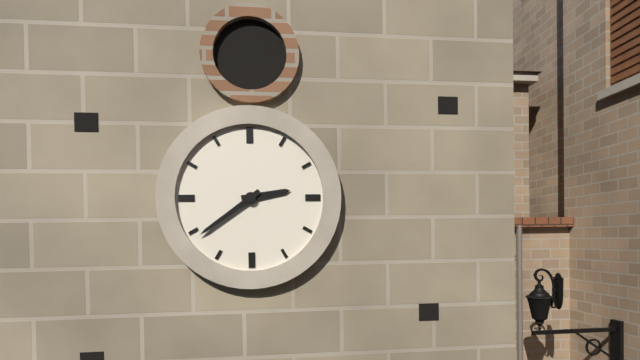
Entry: **2:39**
